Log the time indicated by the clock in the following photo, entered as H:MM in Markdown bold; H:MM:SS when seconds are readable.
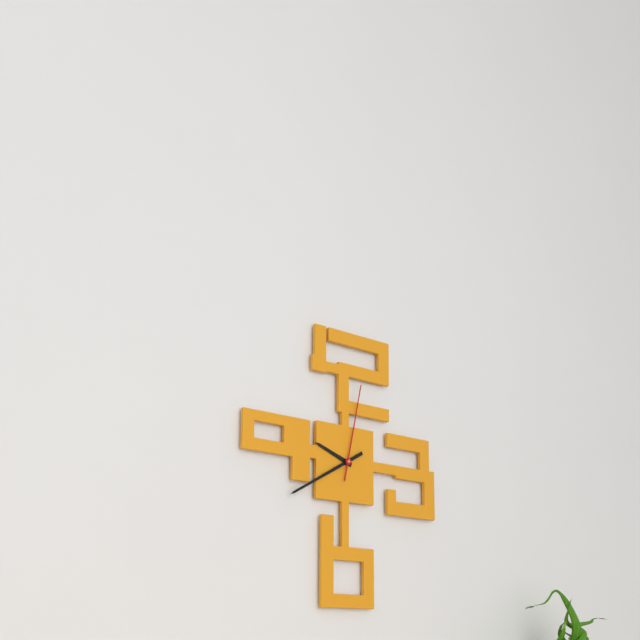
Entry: **9:40:02**
